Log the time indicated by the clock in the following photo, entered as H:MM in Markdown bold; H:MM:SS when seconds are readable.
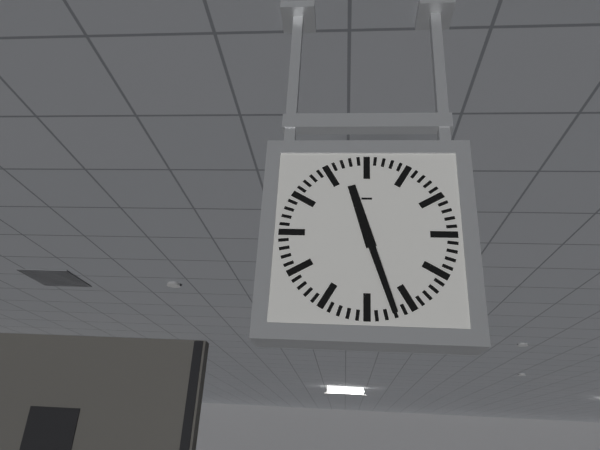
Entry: **11:27**
